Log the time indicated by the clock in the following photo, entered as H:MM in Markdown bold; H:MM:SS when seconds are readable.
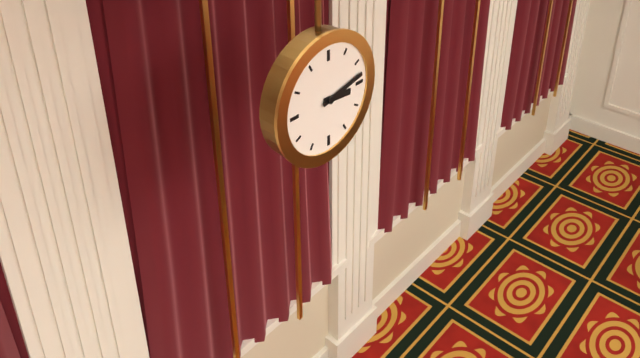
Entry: **3:13**
